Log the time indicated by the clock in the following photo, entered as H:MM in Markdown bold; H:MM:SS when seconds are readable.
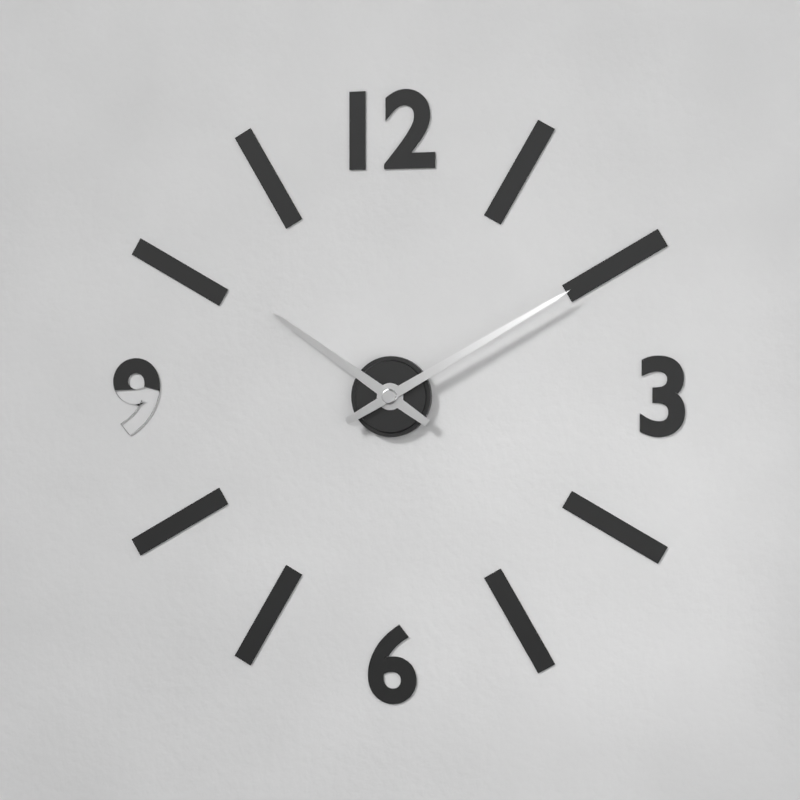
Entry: **10:10**
